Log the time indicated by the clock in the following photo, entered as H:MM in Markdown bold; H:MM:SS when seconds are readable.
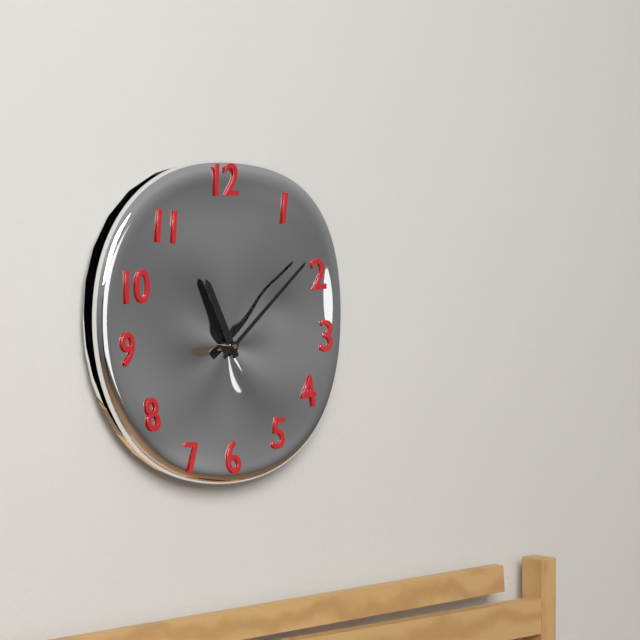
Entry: **11:08**
